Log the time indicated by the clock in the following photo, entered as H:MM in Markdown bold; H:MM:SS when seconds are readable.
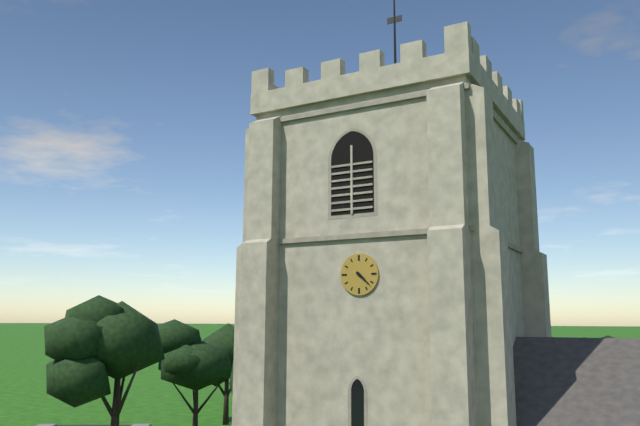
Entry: **4:22**
